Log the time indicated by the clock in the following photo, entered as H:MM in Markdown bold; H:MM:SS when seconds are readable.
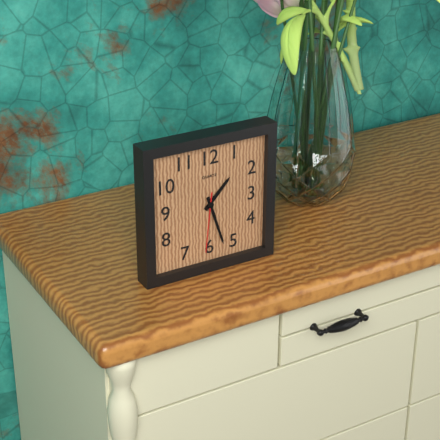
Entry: **1:27:31**
